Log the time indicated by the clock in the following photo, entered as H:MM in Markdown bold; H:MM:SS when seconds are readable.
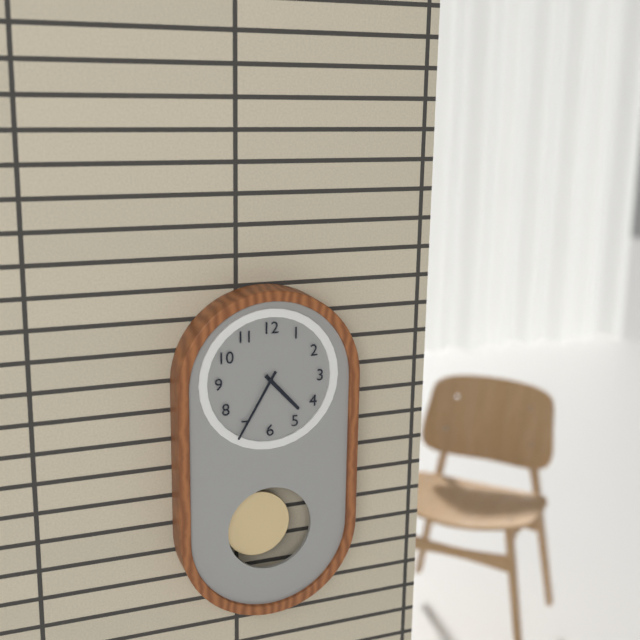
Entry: **4:35**
